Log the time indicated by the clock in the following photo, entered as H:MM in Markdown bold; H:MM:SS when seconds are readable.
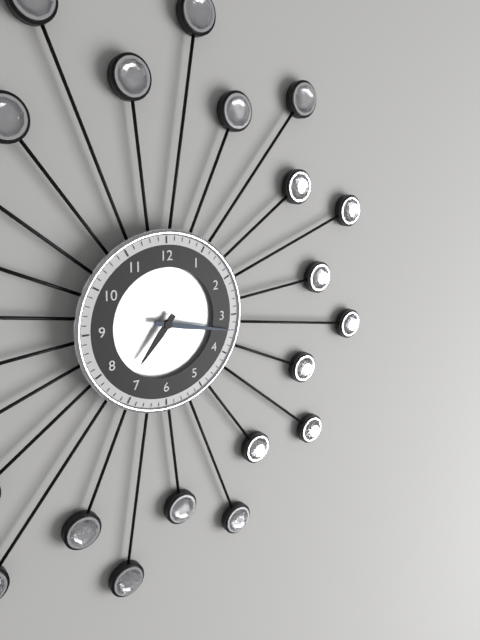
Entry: **7:17**
